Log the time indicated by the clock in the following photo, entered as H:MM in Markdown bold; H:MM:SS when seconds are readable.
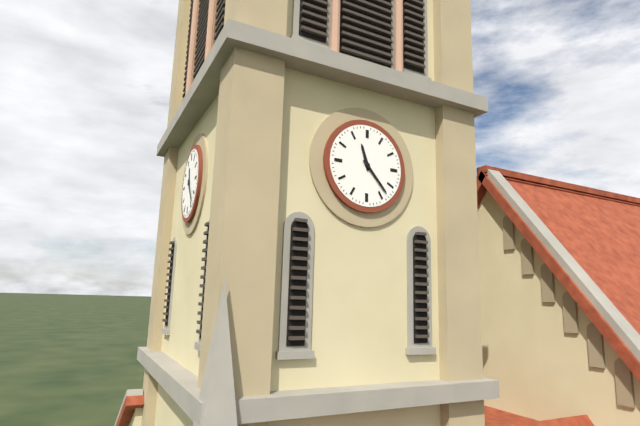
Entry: **11:23**
